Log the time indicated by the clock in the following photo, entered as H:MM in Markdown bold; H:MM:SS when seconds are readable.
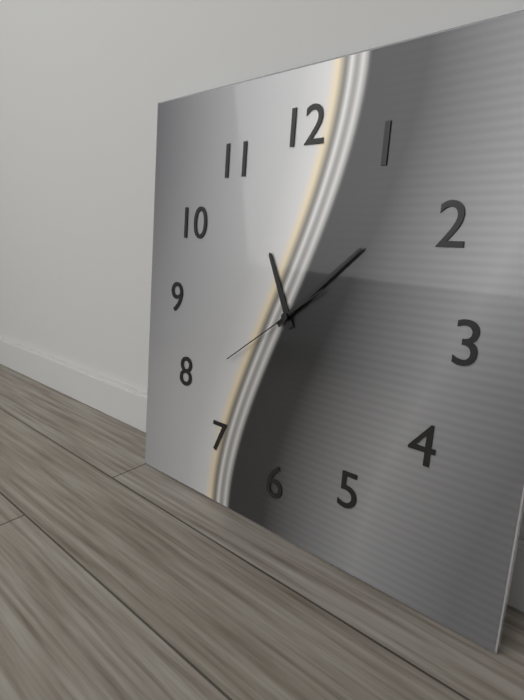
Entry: **11:08:39**
